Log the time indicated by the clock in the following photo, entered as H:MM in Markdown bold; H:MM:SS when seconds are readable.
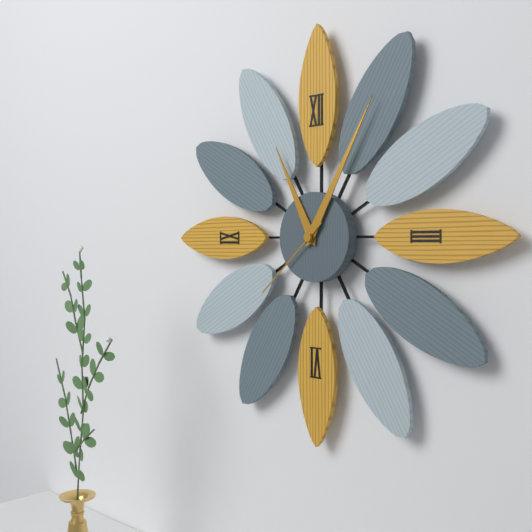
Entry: **11:05:38**
